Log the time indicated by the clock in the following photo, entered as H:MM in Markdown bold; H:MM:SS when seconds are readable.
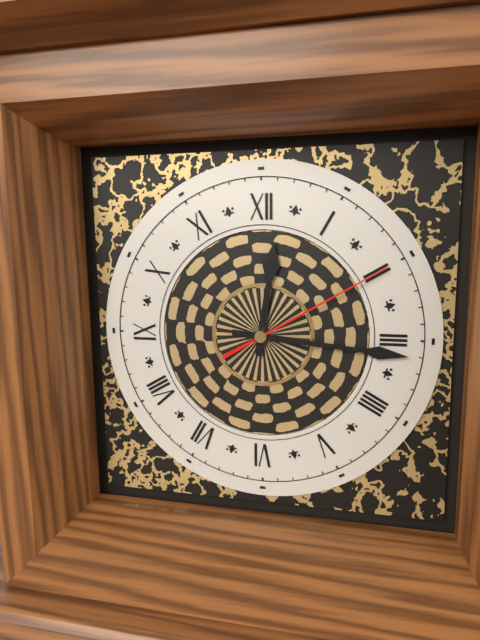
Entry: **12:16:10**
